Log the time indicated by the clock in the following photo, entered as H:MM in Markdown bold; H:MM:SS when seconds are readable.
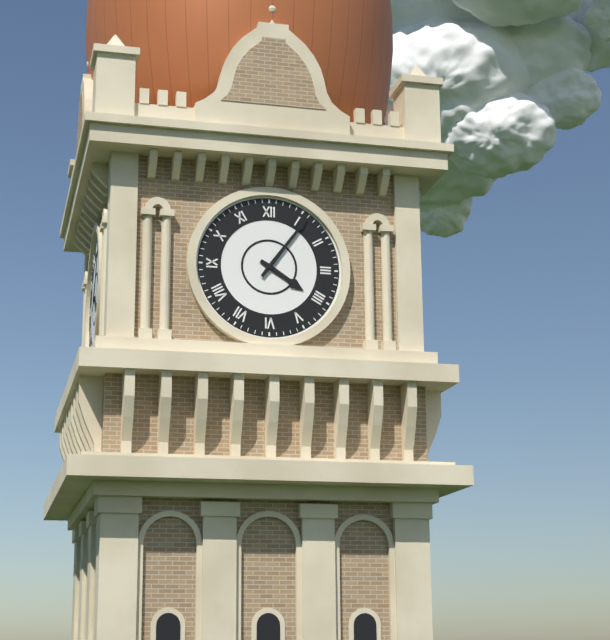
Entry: **4:06**
